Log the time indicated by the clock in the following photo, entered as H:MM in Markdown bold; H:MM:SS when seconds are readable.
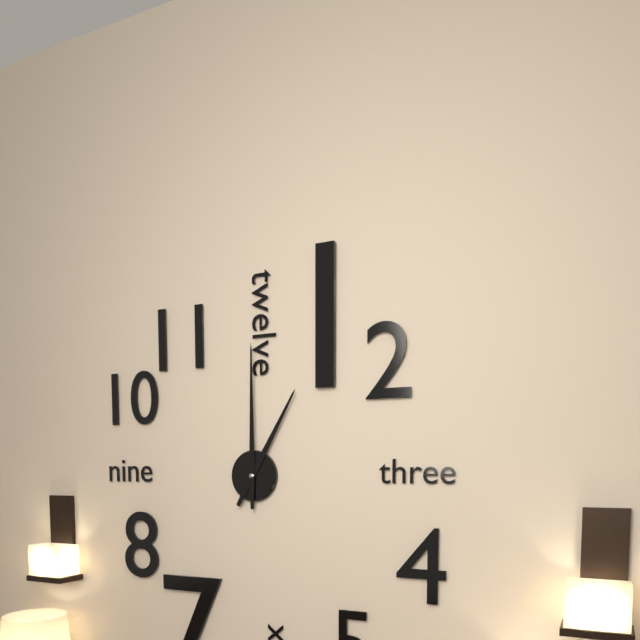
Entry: **1:00**
